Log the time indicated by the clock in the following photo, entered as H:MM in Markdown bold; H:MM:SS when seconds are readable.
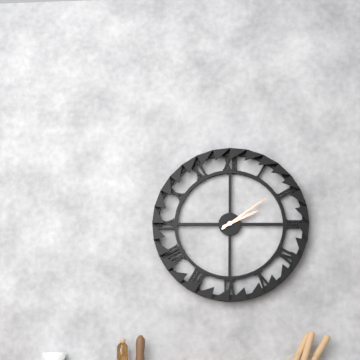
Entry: **2:09**
